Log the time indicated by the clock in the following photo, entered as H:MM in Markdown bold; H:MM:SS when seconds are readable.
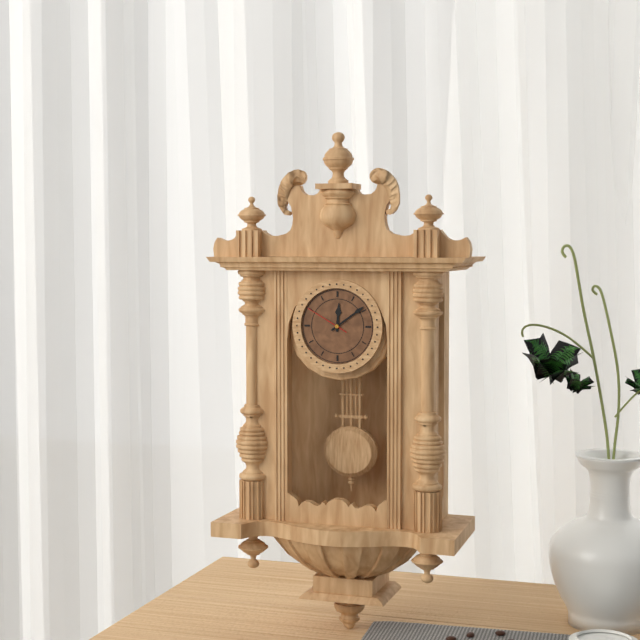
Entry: **12:09**
